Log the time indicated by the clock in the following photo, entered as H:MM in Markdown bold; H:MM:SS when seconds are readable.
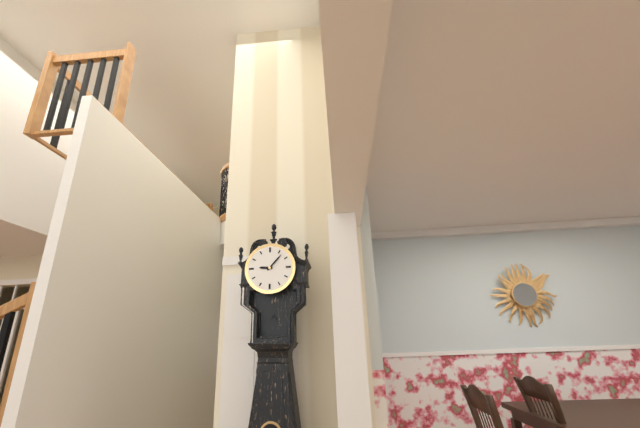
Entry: **9:07**
